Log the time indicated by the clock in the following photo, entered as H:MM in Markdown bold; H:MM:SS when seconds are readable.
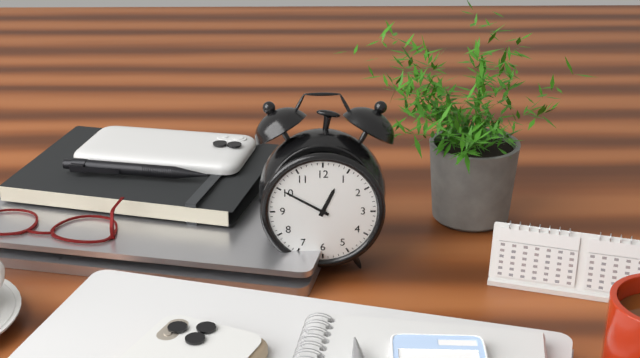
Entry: **12:50**
